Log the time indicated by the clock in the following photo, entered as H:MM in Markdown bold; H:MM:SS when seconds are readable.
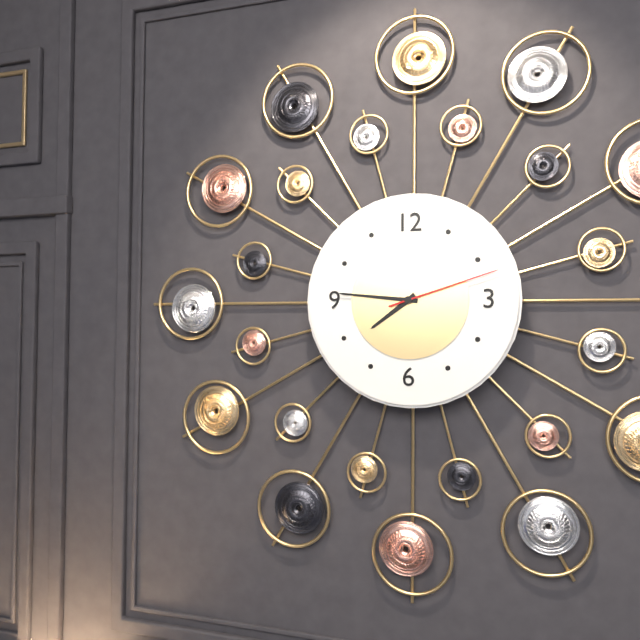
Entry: **7:46:12**
